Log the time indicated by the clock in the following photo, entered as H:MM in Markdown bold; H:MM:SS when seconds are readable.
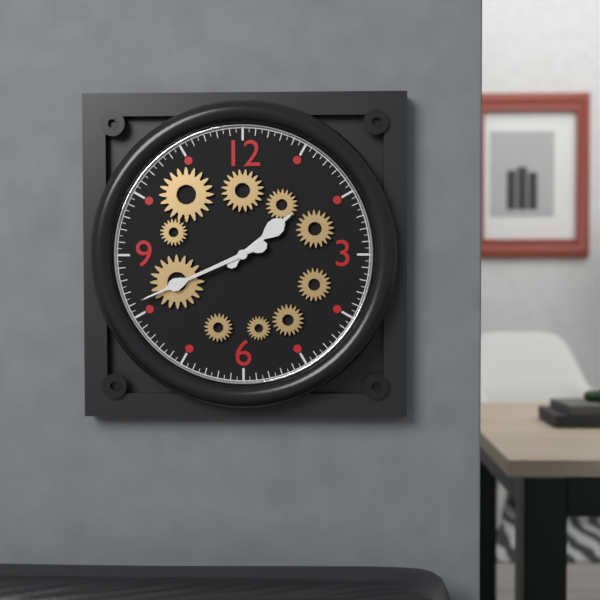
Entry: **1:41**
